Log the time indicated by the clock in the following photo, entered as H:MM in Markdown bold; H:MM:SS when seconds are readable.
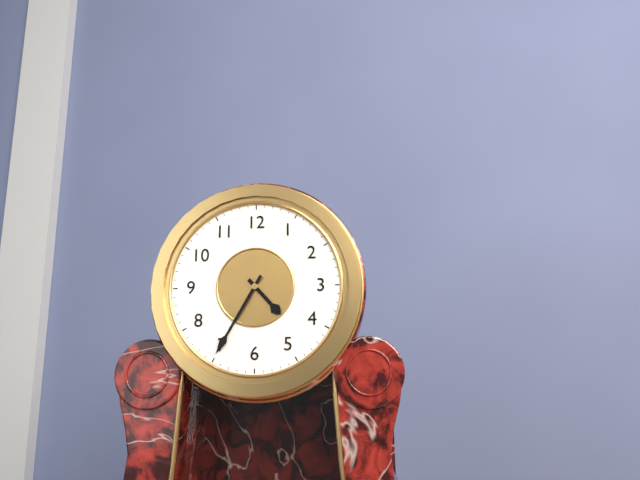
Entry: **4:35**
